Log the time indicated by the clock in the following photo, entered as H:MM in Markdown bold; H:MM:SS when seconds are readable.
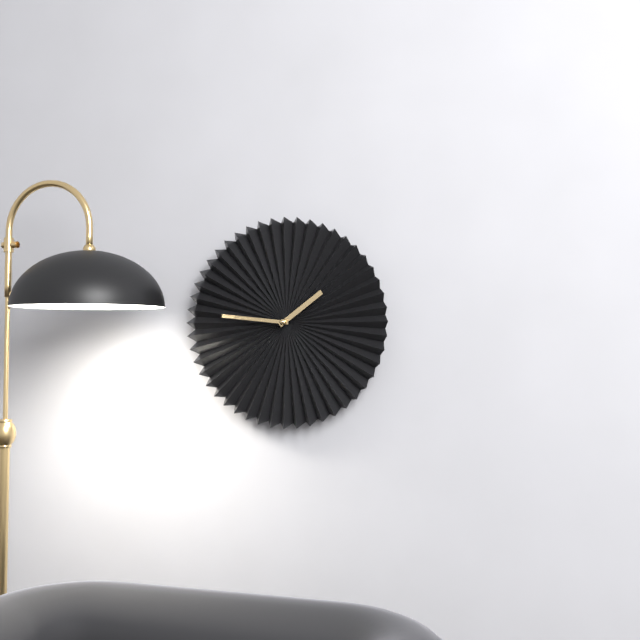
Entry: **1:46**
